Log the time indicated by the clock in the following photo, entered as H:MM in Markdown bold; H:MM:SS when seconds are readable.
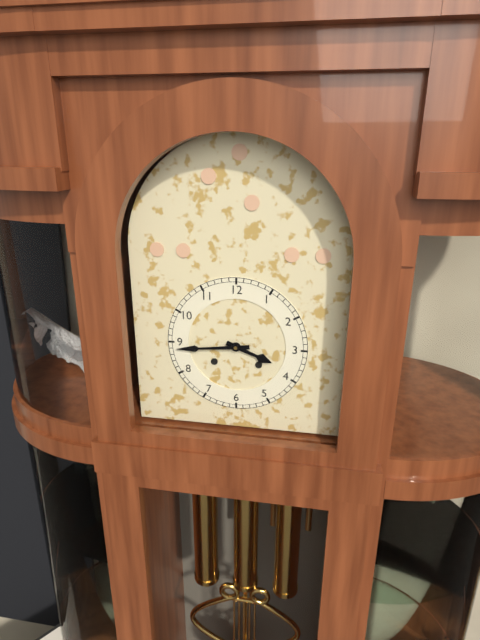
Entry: **3:44**
